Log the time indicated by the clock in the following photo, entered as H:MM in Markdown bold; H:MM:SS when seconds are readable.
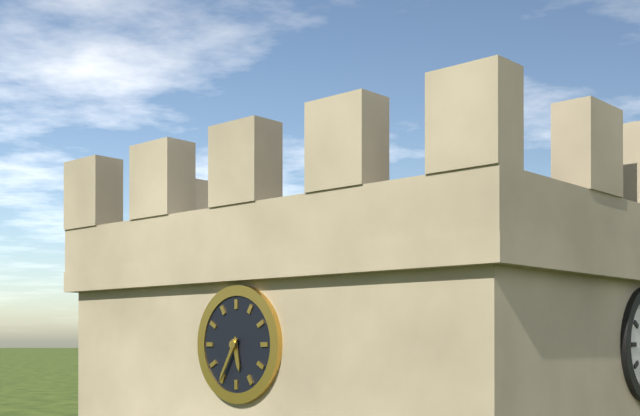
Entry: **5:35**
